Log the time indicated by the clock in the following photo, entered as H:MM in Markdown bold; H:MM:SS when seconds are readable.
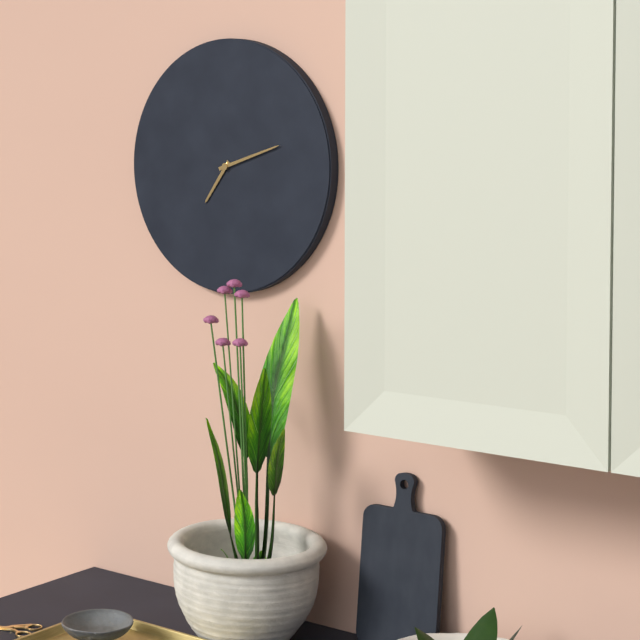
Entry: **7:12**
